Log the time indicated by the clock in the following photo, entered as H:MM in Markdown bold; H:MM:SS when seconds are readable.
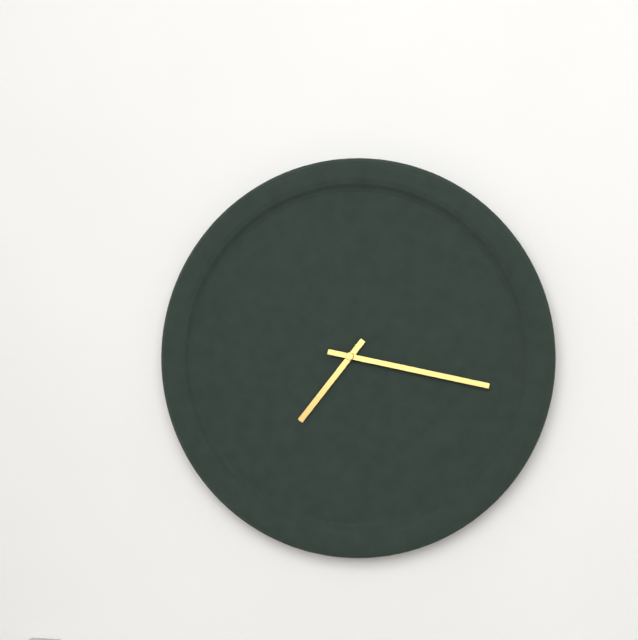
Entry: **7:17**
